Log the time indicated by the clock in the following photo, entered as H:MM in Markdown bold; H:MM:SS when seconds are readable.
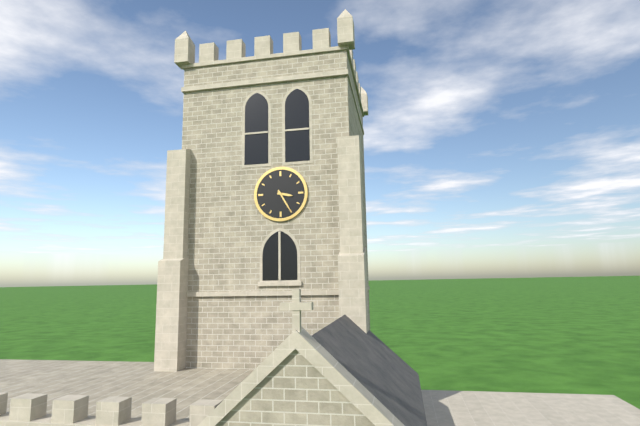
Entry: **3:25**
